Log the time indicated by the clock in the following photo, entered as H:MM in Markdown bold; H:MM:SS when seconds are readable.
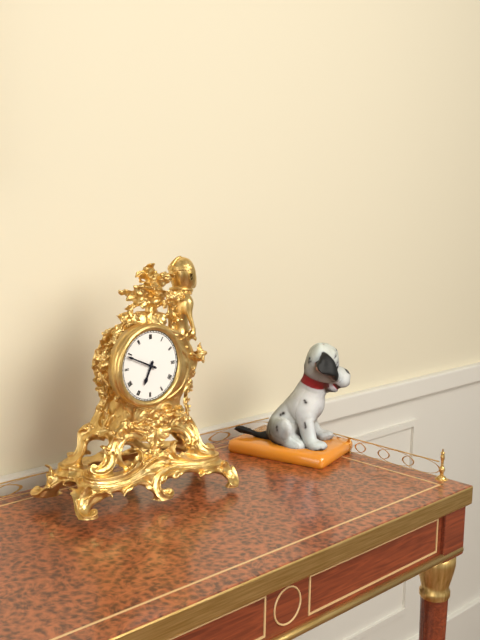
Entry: **6:49**
